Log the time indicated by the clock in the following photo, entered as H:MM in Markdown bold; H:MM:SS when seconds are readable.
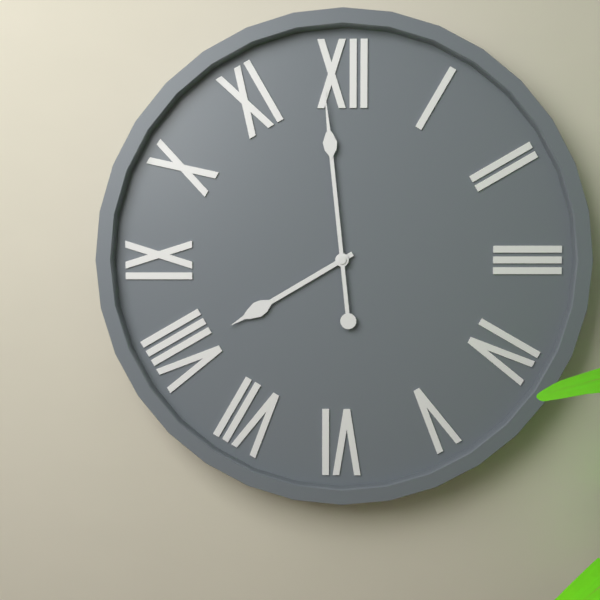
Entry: **7:59**
